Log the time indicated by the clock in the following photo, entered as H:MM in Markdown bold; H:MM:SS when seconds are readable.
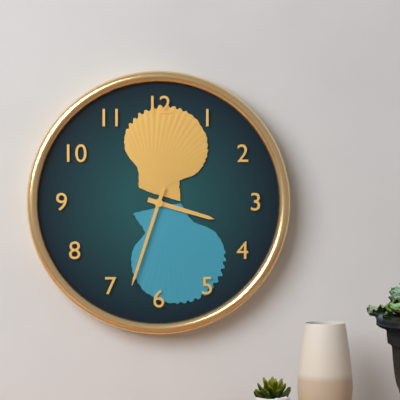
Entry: **3:33**
